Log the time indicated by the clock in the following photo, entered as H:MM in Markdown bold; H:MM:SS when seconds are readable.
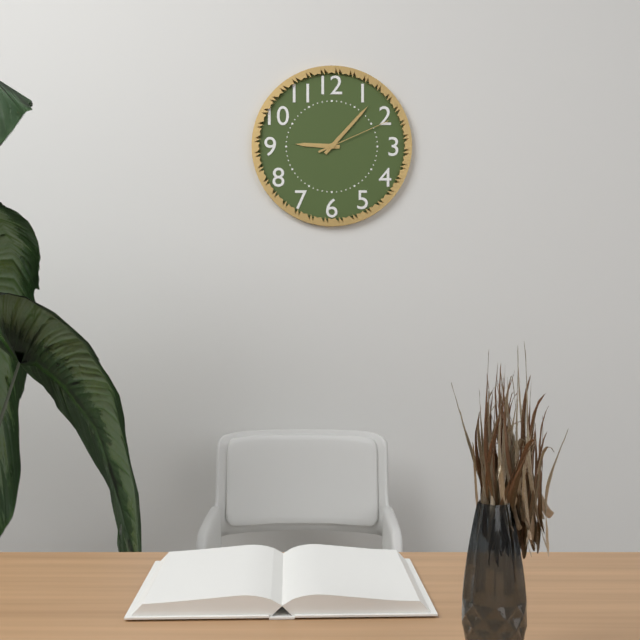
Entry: **9:07:11**
